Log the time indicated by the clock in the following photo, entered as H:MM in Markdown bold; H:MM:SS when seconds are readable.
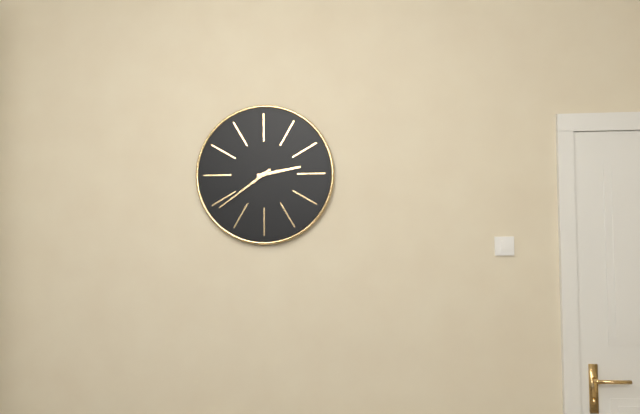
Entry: **2:39**
